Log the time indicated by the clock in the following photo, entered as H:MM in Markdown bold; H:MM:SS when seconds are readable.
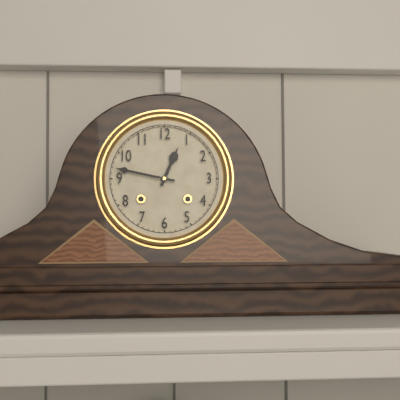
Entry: **12:47**
